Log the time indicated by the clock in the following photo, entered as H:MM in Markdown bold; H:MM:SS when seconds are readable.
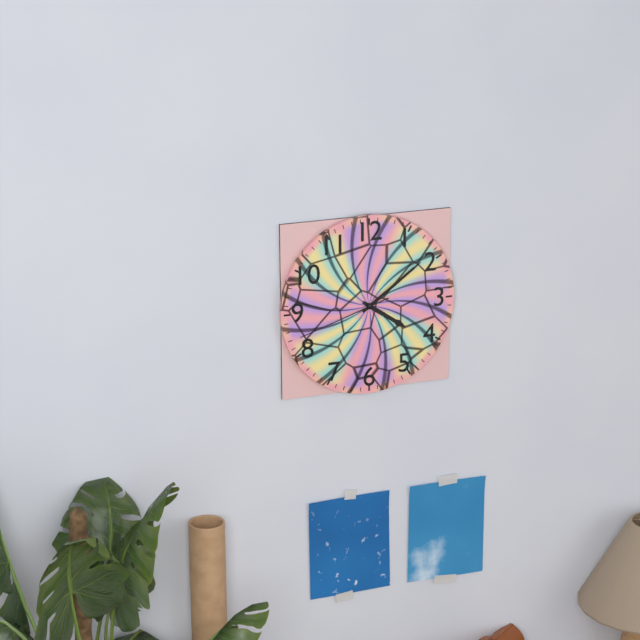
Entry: **4:09:42**
